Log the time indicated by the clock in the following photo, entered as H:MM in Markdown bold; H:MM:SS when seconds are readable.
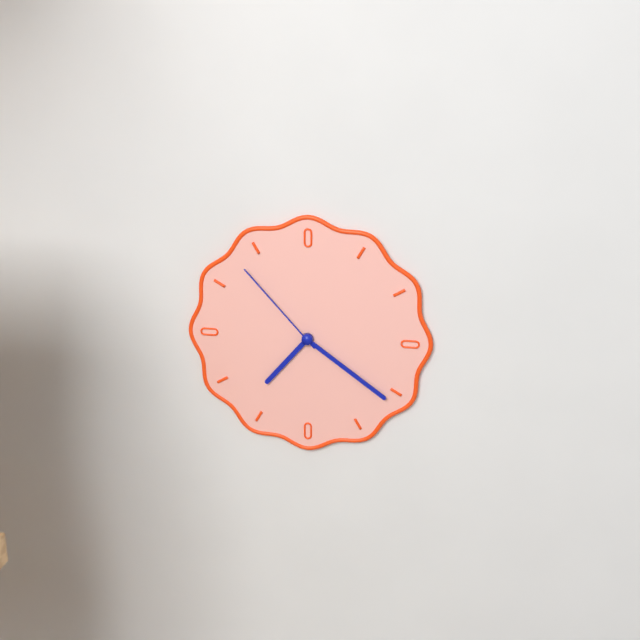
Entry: **7:21:53**
